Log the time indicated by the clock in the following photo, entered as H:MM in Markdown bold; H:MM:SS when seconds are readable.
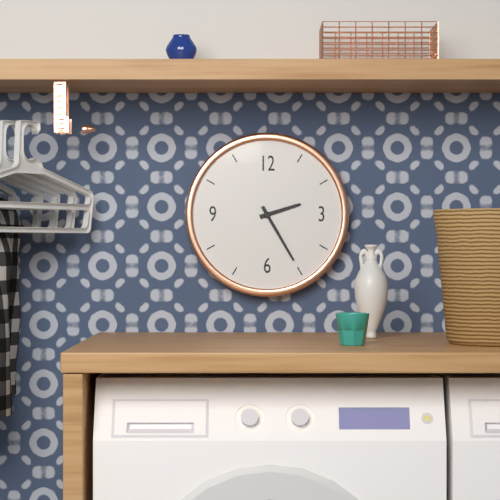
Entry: **2:25**
